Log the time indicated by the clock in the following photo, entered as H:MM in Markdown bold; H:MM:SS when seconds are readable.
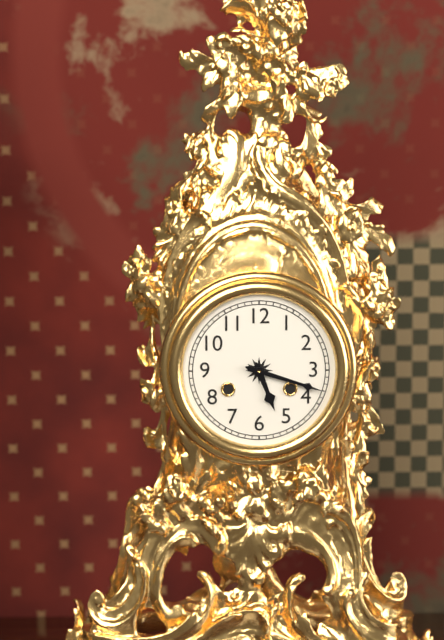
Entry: **5:18**
